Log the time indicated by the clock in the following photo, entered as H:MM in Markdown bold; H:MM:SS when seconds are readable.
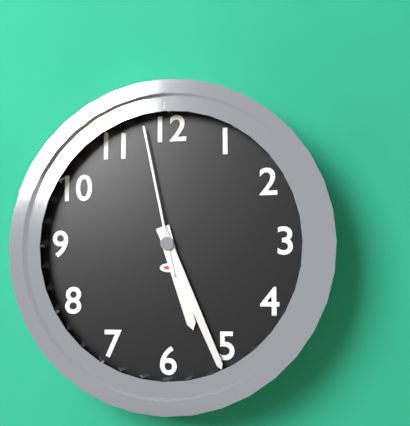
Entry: **5:26:58**
